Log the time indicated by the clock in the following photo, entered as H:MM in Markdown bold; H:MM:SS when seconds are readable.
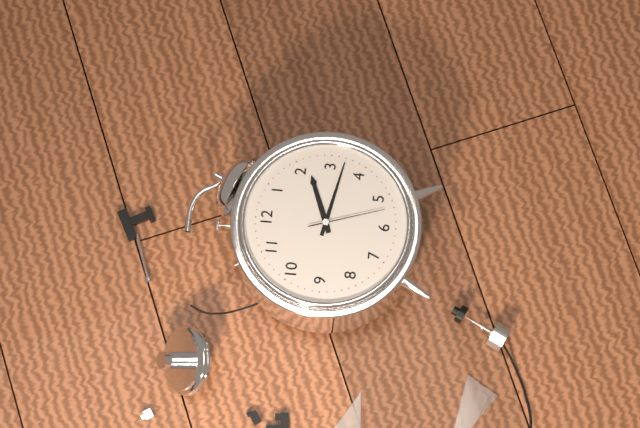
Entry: **2:17:27**
